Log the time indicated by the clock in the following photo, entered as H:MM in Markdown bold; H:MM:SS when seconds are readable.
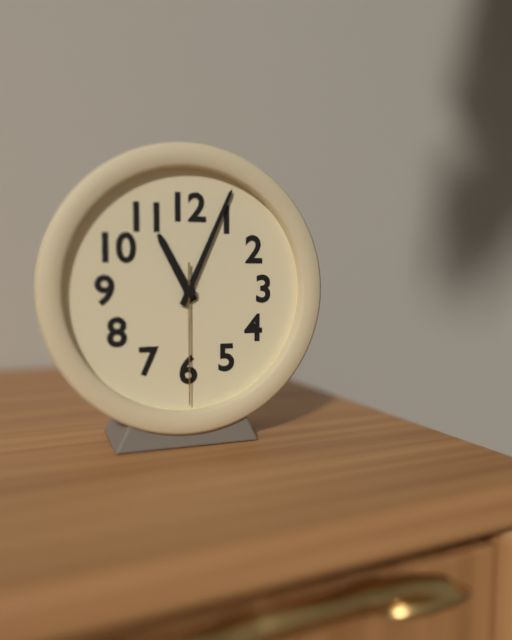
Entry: **11:04:30**
